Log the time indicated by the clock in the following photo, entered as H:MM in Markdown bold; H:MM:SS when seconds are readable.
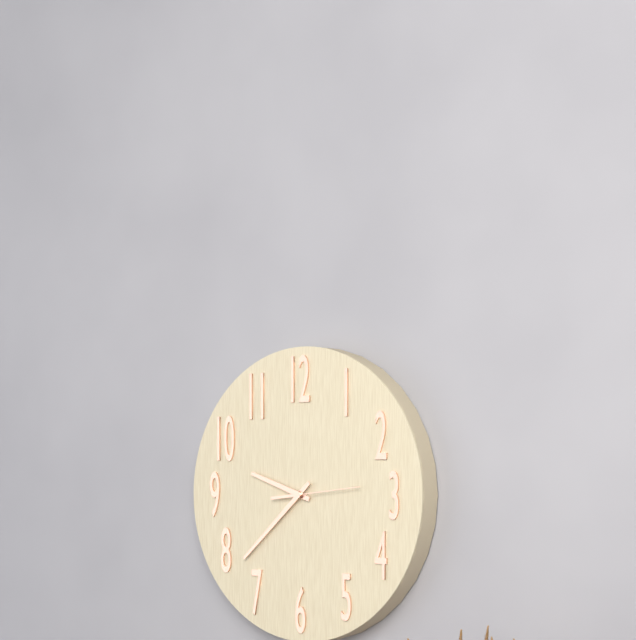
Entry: **9:38:14**
